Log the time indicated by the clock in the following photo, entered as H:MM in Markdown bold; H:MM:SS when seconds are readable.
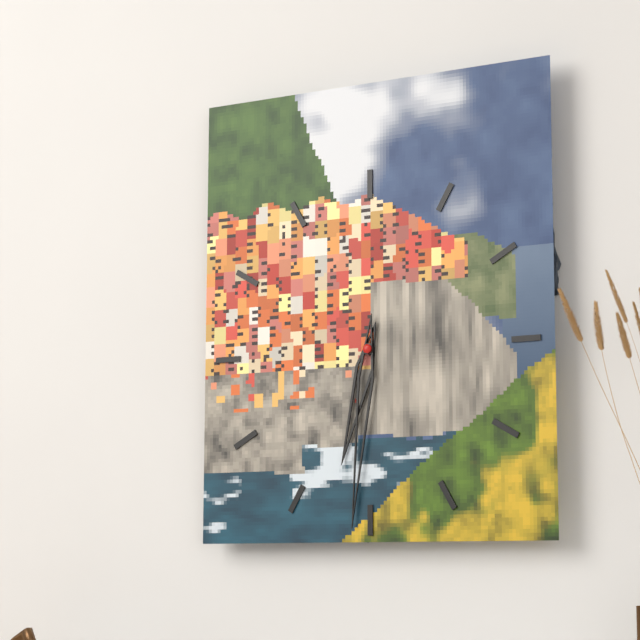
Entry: **6:31**
